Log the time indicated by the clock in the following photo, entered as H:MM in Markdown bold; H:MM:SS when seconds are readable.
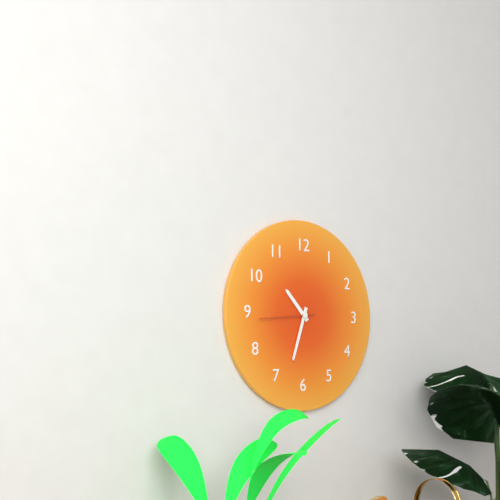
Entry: **10:33:44**
